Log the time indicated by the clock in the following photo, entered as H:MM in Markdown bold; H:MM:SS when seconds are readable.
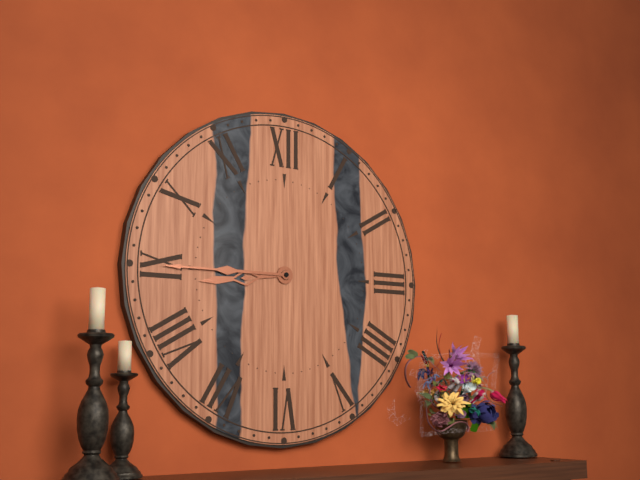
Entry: **8:45**
